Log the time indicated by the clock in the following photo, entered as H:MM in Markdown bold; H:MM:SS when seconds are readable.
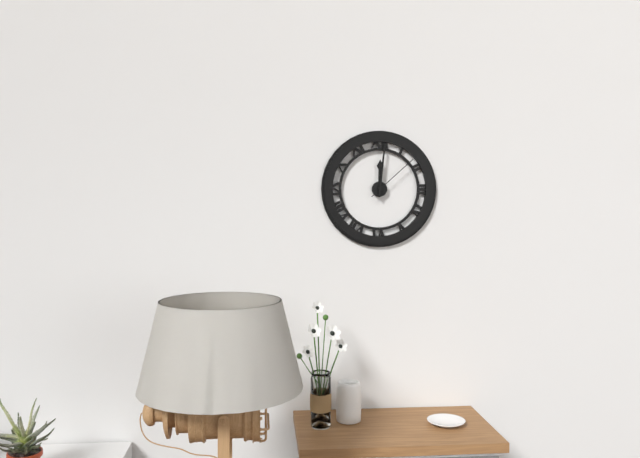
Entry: **12:01:08**
